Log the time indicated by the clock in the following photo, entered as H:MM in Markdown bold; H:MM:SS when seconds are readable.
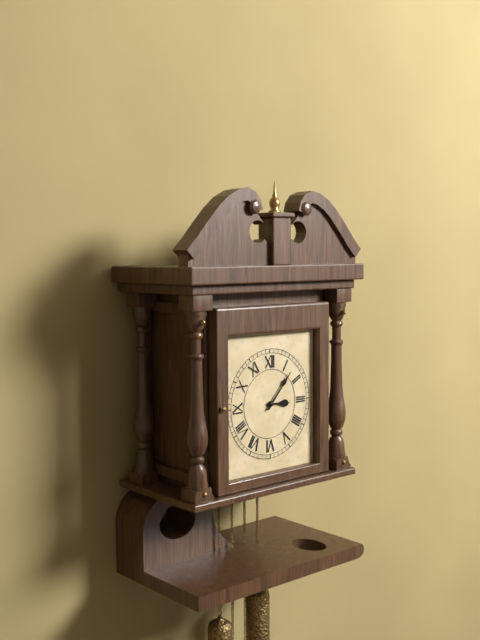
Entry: **3:07**
